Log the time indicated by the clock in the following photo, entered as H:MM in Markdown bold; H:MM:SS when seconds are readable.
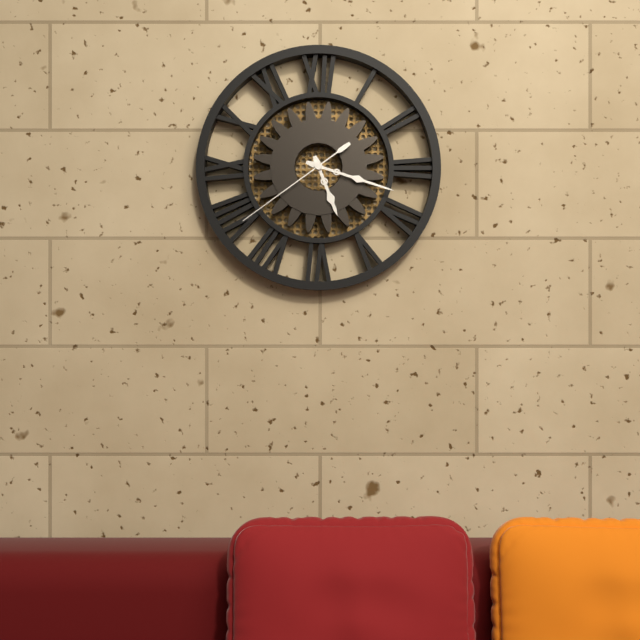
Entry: **5:18:39**
